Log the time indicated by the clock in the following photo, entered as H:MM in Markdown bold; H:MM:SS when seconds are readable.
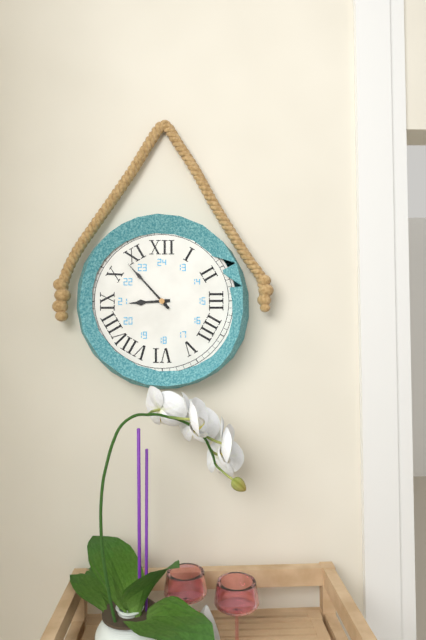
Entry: **8:53**
